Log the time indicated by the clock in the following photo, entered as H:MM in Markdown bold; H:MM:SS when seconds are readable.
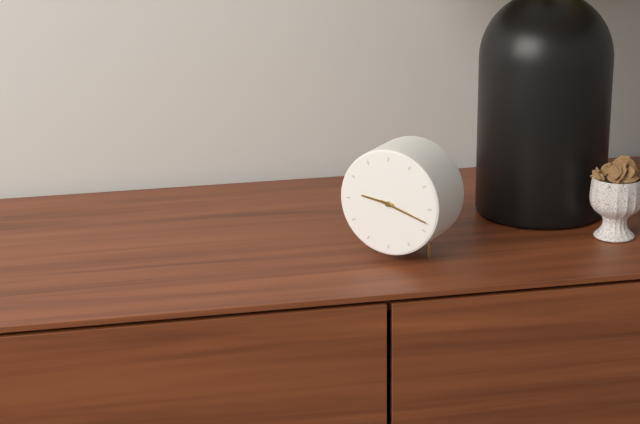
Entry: **9:18**
